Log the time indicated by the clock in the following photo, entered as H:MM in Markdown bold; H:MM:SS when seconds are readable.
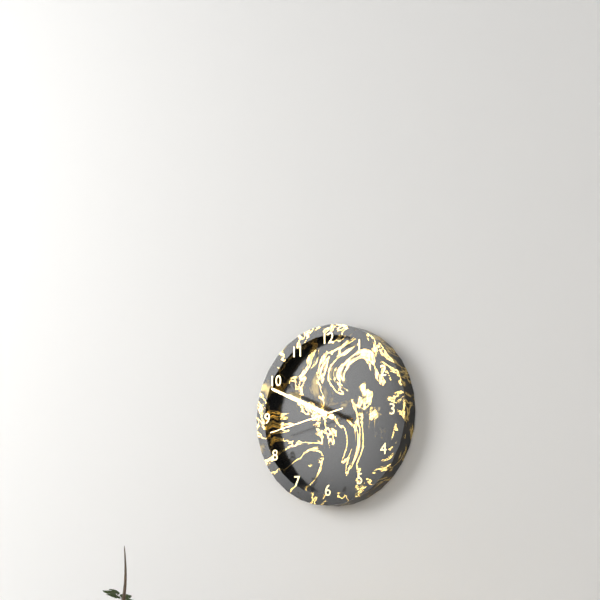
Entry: **9:49:43**
